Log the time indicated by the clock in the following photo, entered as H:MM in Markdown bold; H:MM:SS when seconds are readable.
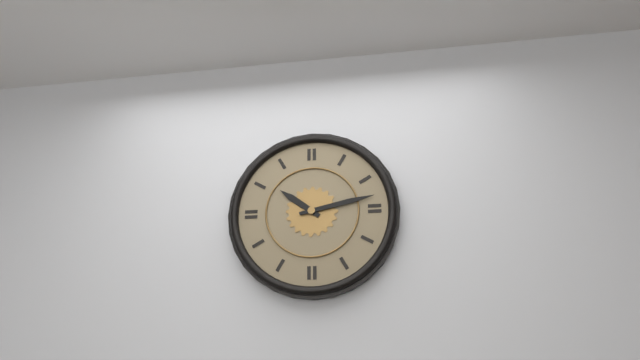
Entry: **10:13**
